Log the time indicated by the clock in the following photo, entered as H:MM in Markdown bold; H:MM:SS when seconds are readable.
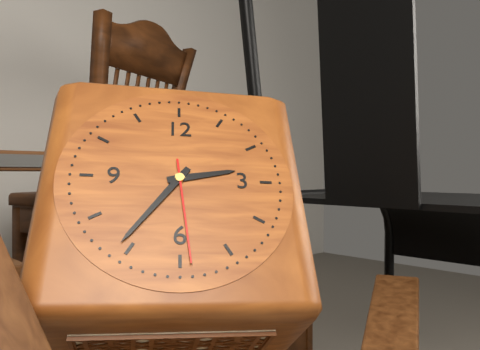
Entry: **2:36:29**
